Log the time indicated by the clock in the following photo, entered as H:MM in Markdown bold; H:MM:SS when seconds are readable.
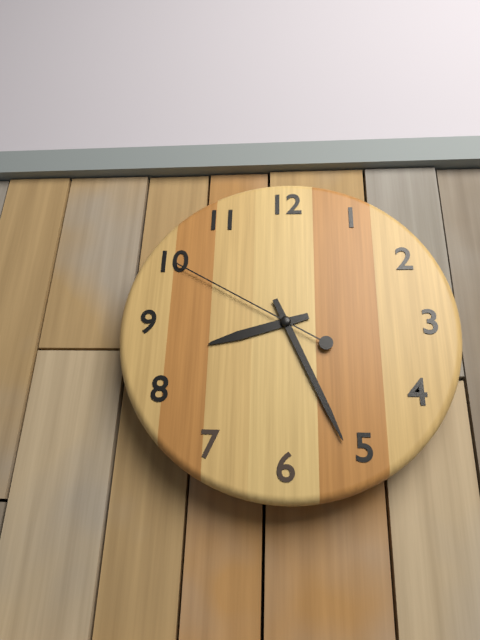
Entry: **8:26:50**
